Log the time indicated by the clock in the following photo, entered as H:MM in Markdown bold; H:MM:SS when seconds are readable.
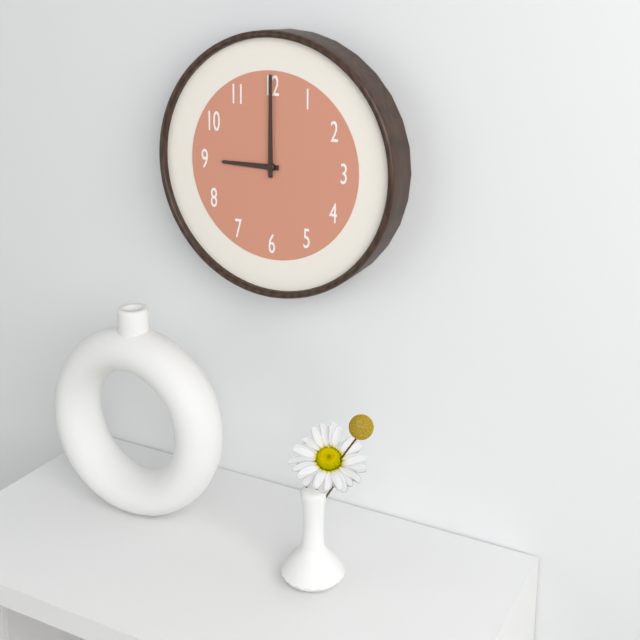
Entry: **9:00**
